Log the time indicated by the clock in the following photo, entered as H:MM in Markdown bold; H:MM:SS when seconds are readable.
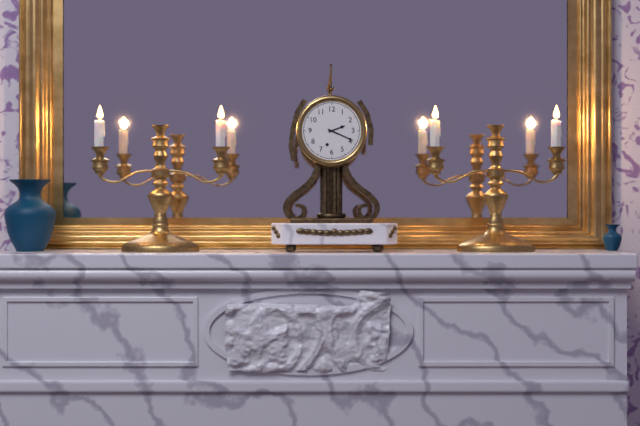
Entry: **2:19**
